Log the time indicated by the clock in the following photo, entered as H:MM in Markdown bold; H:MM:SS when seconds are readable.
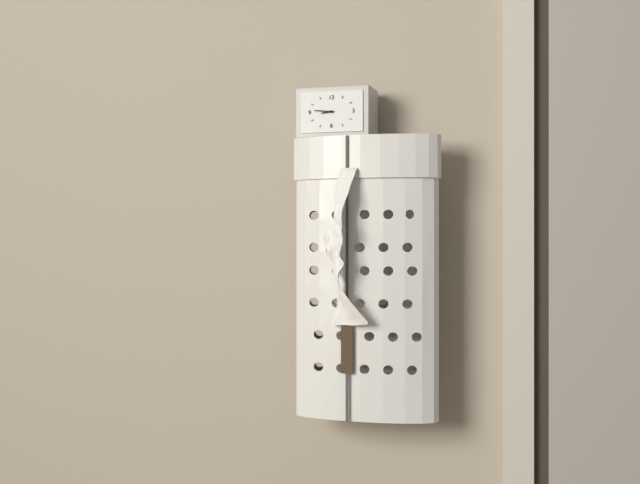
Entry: **8:46**
